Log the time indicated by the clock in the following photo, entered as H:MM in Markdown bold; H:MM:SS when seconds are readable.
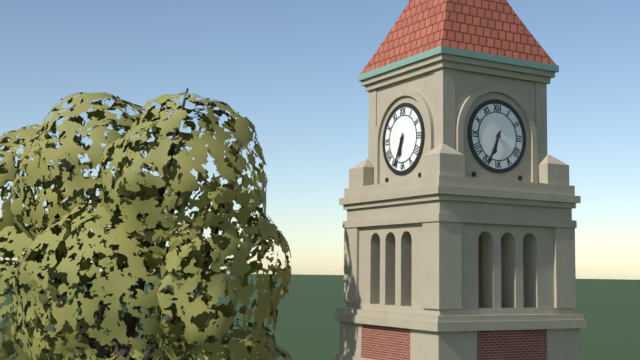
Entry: **6:34**
